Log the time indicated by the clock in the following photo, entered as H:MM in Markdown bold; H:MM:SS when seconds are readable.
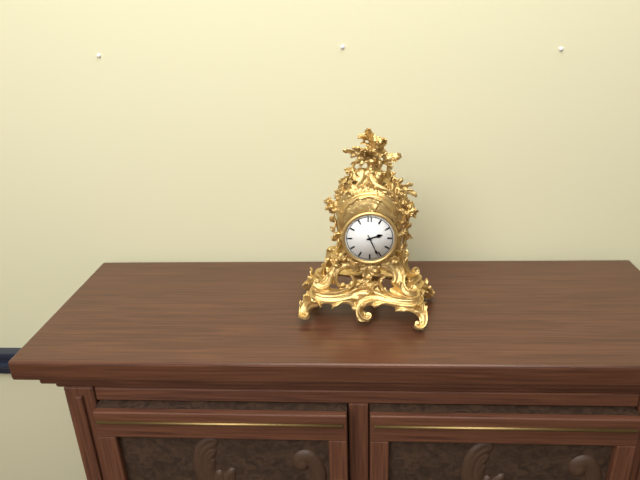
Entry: **2:26**
